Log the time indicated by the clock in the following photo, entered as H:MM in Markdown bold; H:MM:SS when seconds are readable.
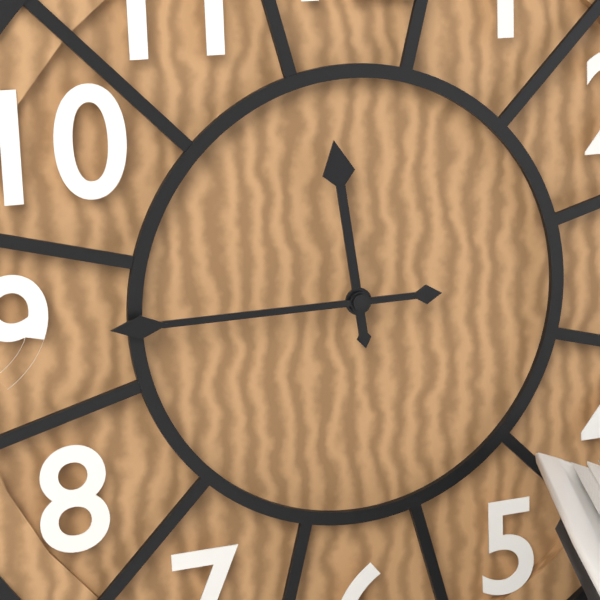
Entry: **11:45**
